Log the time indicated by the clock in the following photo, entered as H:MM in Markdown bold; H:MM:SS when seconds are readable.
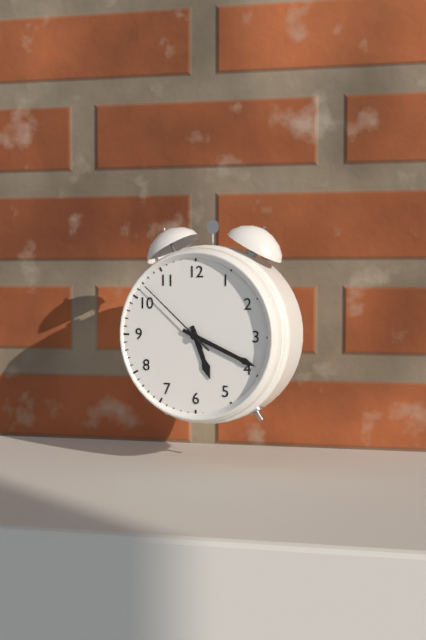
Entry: **5:19:52**
